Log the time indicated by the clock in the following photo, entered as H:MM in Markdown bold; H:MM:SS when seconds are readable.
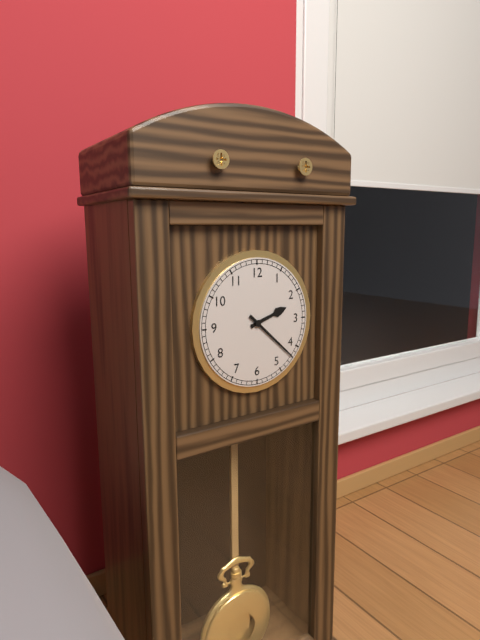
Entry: **2:22**
